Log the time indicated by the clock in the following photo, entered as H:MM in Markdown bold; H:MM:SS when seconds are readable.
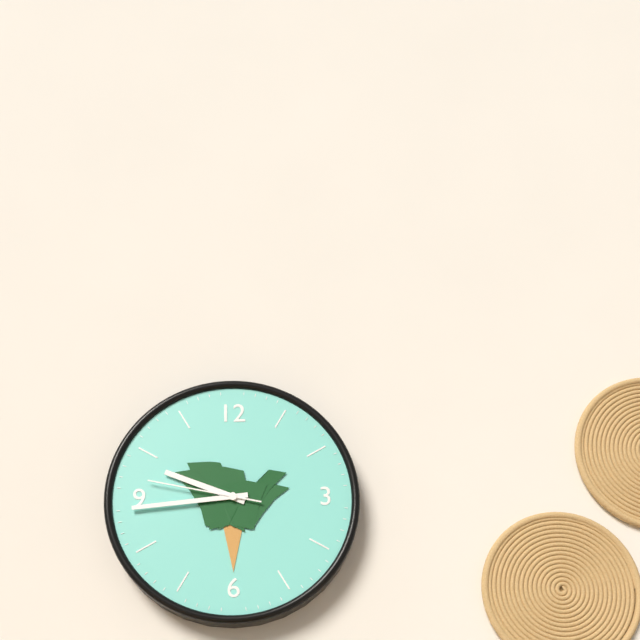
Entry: **9:44:47**
